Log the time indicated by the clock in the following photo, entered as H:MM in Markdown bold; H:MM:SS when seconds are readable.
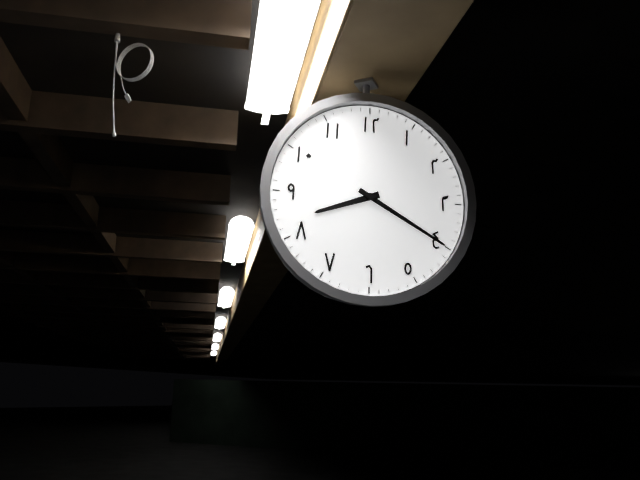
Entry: **8:20**
